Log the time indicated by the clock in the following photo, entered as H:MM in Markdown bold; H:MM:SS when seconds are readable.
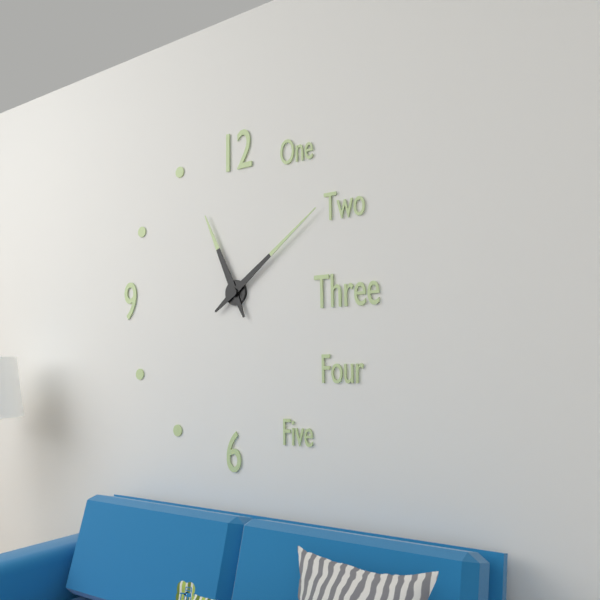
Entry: **11:09**
